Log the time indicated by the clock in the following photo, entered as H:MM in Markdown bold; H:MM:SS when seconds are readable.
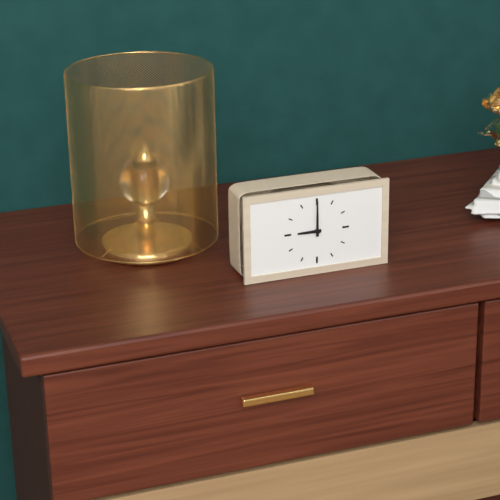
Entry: **9:00**
